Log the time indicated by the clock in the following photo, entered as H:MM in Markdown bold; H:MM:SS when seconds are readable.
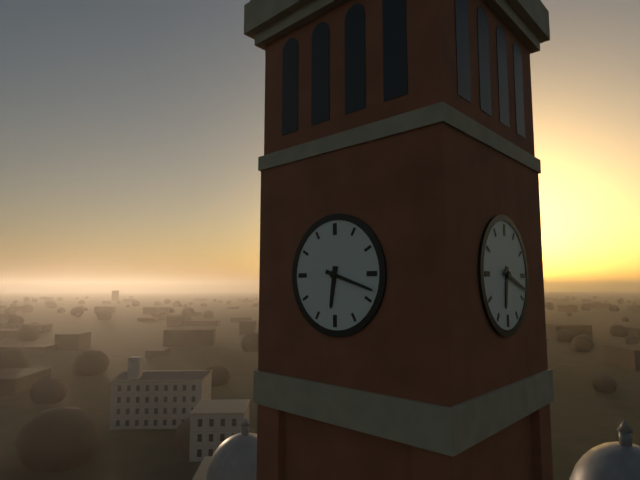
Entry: **6:18**
